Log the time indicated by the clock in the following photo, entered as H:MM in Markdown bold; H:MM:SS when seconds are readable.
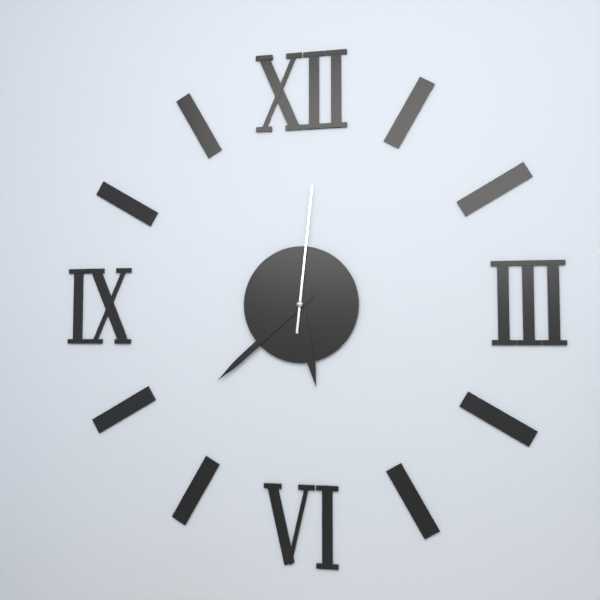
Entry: **5:38:01**
